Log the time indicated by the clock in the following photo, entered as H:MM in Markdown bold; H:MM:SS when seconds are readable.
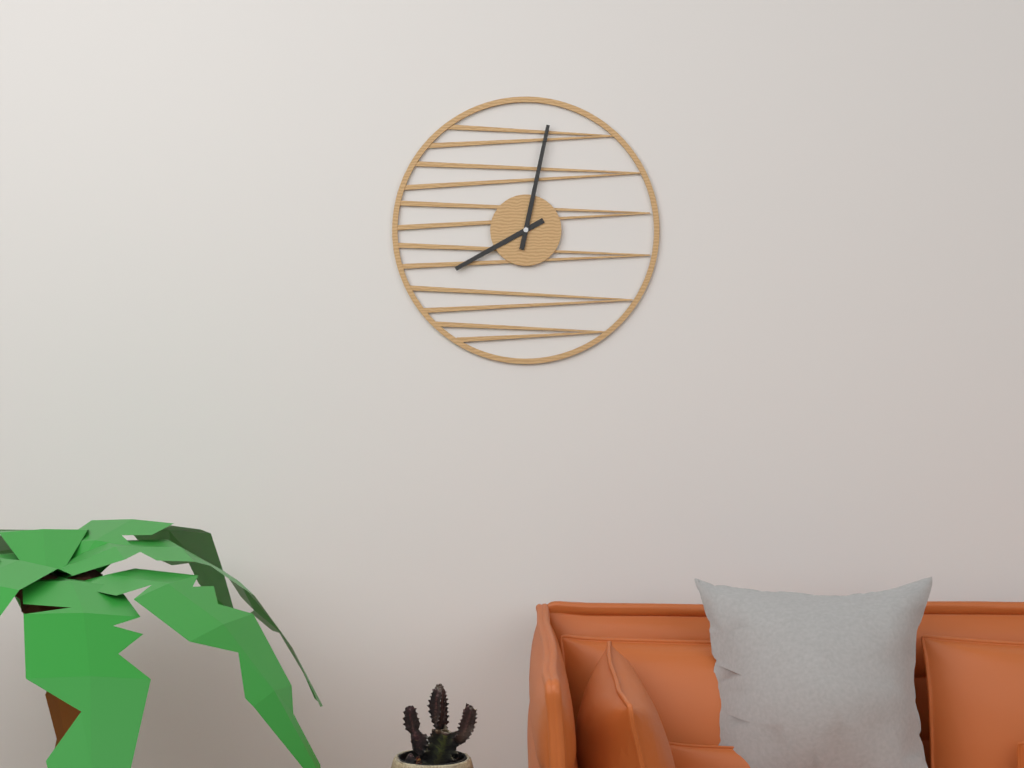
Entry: **8:02**
